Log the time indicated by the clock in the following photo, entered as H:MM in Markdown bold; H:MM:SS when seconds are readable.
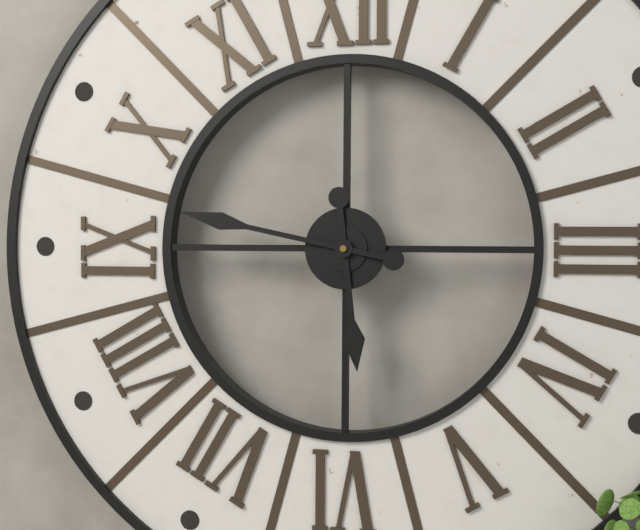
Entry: **5:47**
